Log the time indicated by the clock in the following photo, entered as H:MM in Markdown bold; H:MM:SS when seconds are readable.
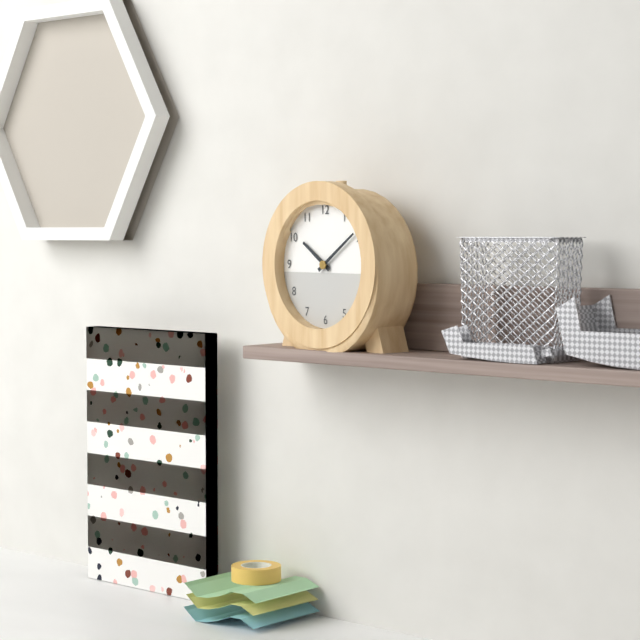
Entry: **10:09**
